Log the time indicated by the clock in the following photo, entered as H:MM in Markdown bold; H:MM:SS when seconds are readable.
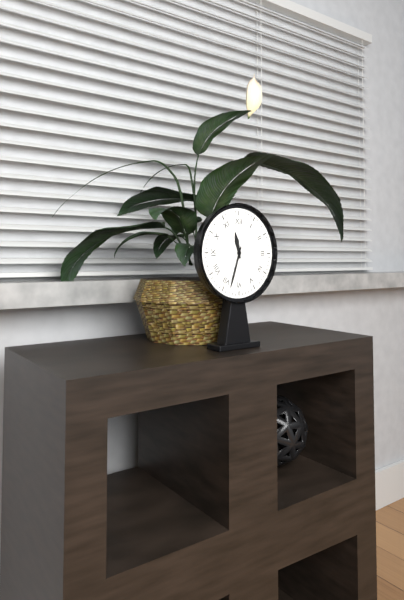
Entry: **11:33**
